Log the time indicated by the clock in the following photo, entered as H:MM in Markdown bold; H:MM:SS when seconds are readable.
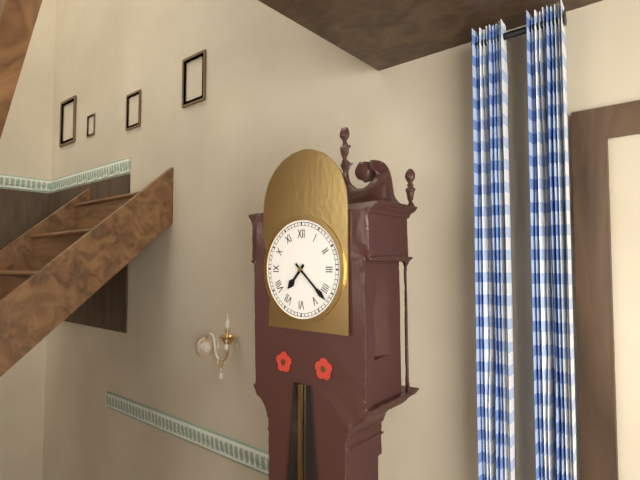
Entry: **7:22**
